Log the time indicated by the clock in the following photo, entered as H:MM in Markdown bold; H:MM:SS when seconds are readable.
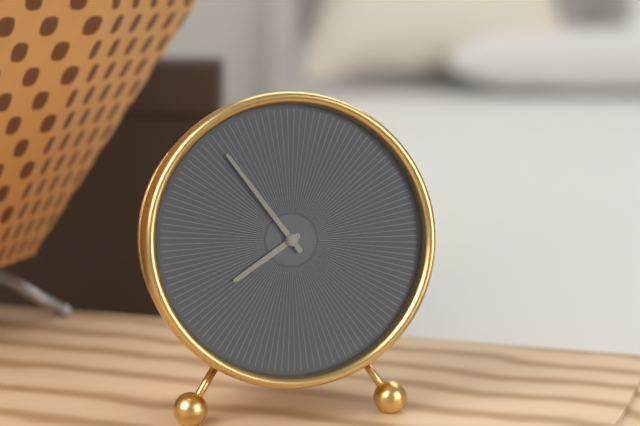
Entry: **7:54**
